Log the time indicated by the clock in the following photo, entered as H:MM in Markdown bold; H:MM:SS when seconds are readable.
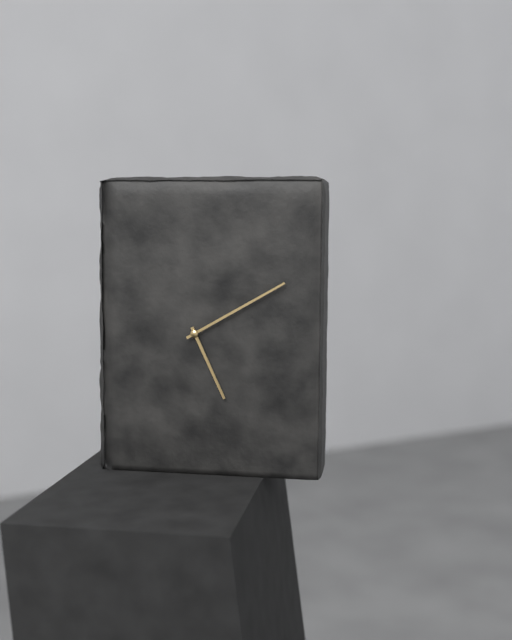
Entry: **5:10**
